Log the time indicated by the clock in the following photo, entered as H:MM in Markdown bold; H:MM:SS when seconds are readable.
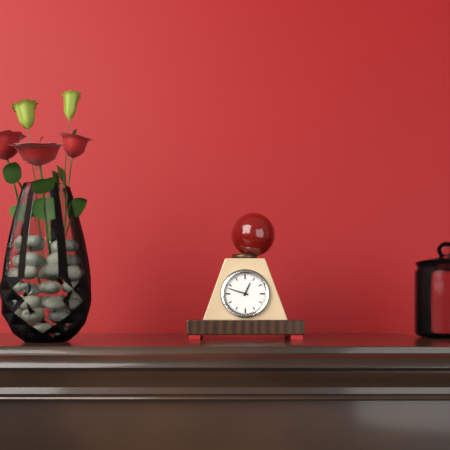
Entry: **12:48**
